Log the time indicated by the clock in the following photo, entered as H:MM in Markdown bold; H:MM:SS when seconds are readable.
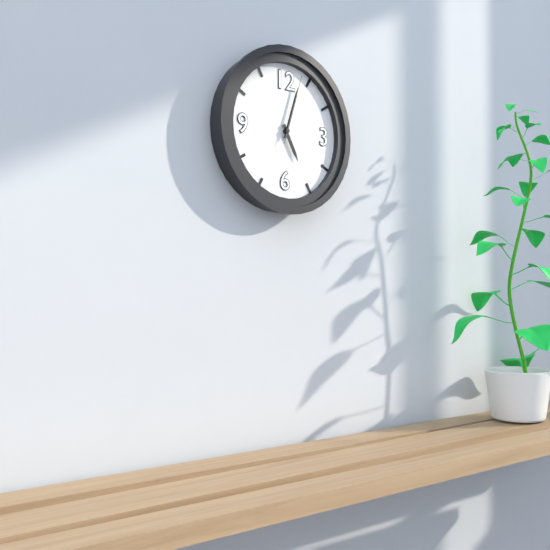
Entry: **5:03:03**
